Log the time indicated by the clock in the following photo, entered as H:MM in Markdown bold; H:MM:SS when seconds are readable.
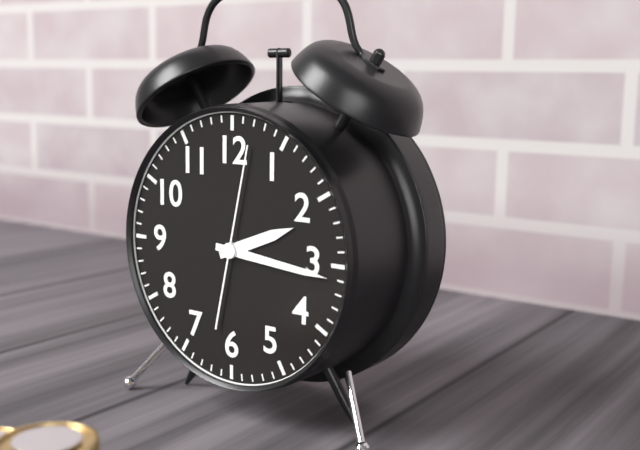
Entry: **2:16:02**
